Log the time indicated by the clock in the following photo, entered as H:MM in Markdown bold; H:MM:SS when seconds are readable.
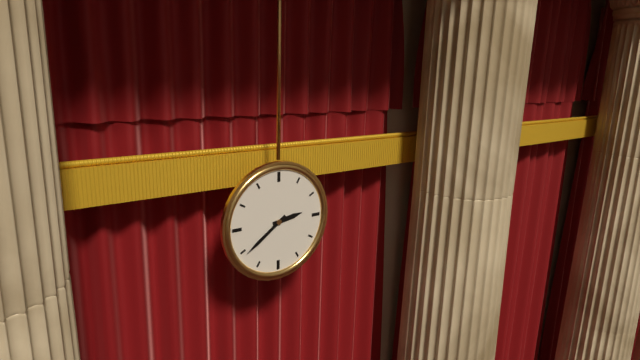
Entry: **2:39**
